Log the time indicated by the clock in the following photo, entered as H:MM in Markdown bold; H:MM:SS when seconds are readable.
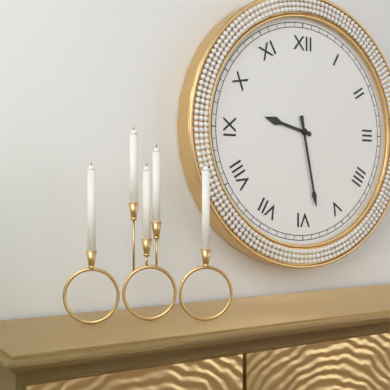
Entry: **9:28**
